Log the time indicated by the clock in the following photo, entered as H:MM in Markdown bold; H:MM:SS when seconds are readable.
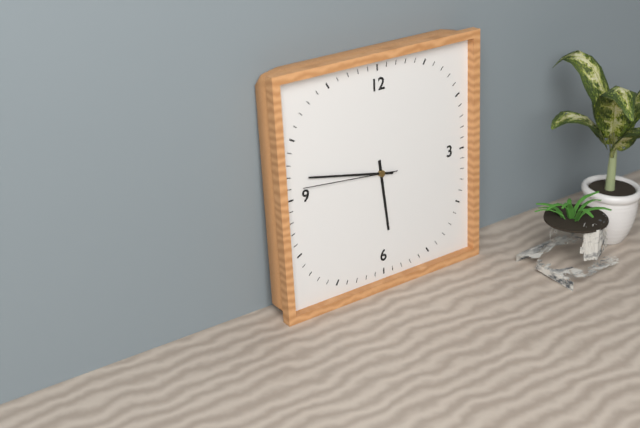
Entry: **5:47:46**
